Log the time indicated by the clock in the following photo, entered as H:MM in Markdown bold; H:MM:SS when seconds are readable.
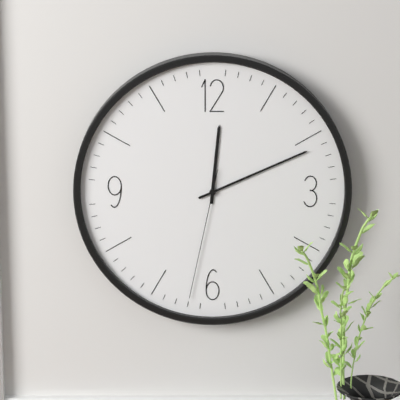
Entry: **12:11:32**
